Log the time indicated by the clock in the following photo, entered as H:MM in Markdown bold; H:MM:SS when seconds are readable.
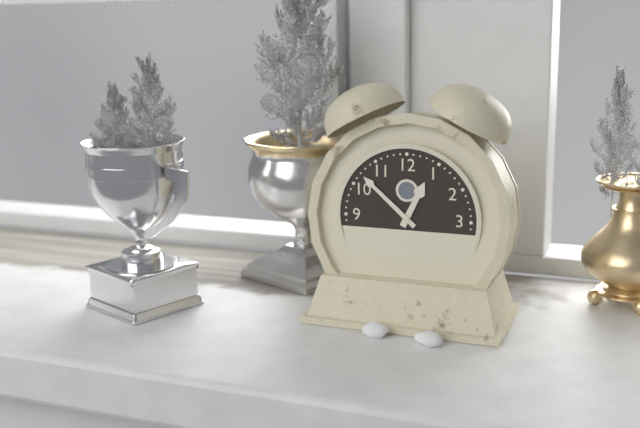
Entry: **12:52**
